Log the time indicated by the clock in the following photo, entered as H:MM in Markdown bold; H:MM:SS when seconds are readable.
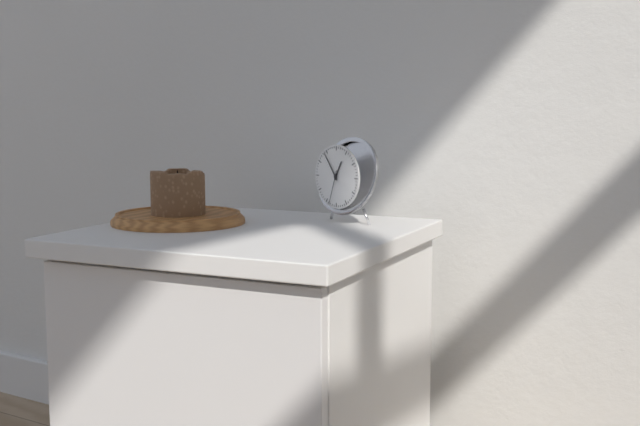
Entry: **12:54**
